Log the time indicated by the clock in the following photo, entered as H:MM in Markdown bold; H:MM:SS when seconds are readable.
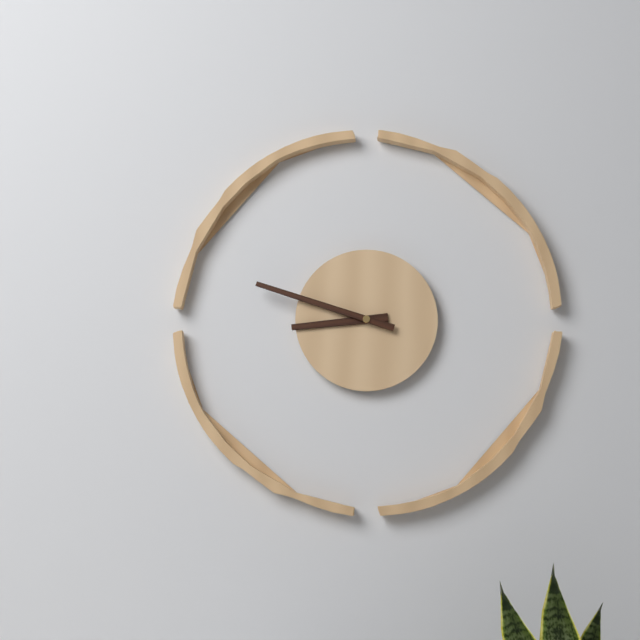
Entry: **8:48**
